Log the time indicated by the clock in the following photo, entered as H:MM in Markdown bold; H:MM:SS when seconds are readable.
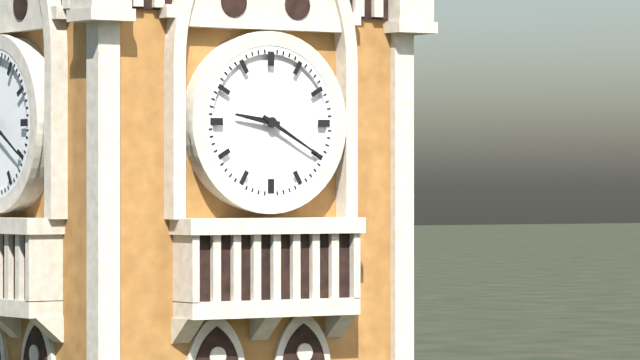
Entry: **9:20**
